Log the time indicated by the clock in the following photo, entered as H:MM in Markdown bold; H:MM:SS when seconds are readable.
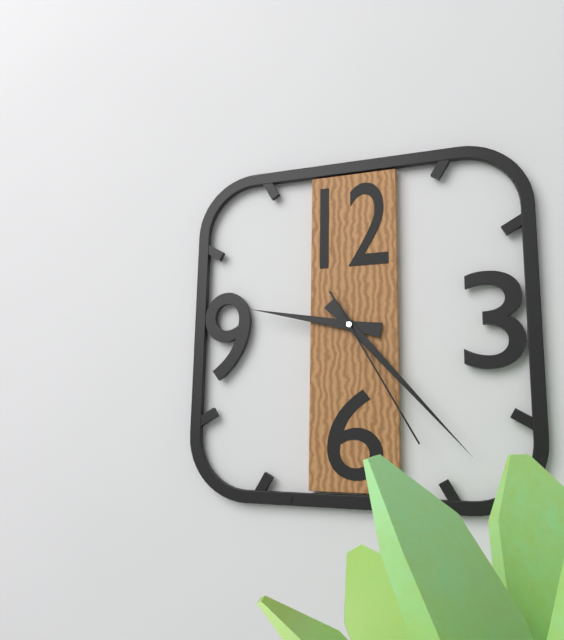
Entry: **9:23:25**
